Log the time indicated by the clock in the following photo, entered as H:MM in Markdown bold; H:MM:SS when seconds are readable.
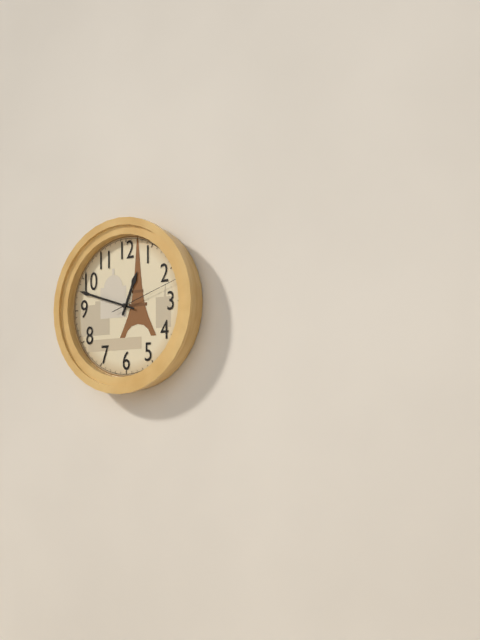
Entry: **12:48:12**
